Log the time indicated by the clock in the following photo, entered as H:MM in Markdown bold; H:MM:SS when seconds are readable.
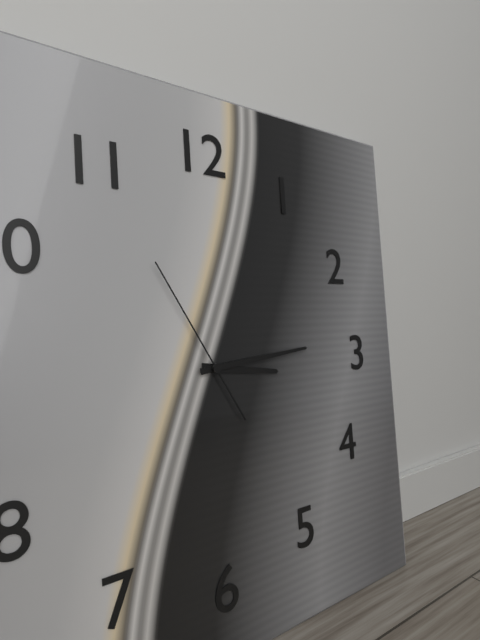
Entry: **3:14:55**
